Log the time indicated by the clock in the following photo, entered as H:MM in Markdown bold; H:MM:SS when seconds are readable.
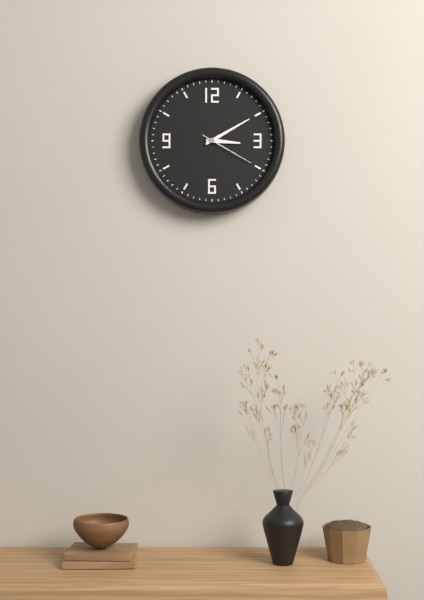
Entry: **3:10:20**
